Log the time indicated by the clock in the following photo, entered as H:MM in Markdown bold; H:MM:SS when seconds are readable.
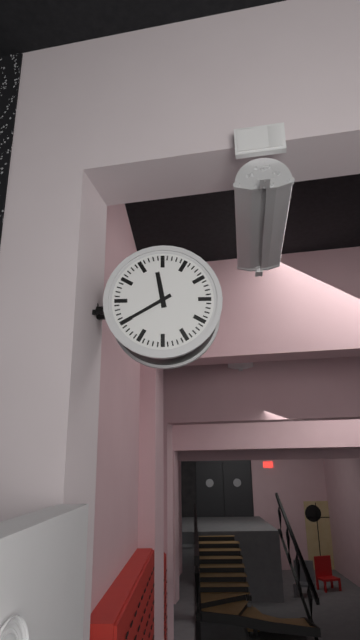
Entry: **11:40**
